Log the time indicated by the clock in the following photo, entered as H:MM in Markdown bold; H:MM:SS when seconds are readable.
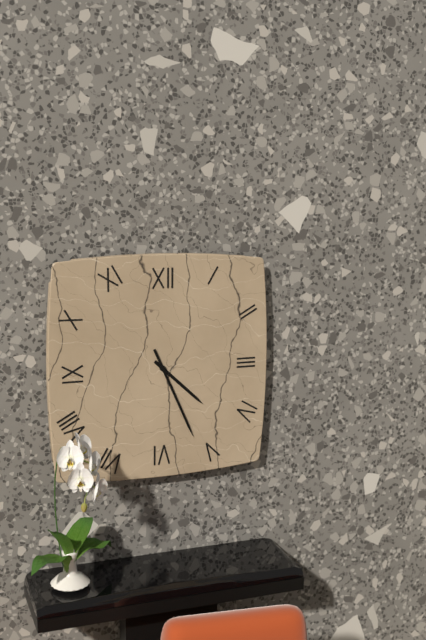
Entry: **4:26**
